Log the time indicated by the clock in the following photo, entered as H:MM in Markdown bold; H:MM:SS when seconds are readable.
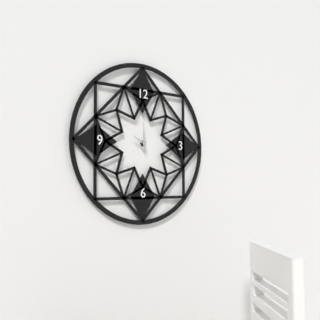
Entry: **10:00**
